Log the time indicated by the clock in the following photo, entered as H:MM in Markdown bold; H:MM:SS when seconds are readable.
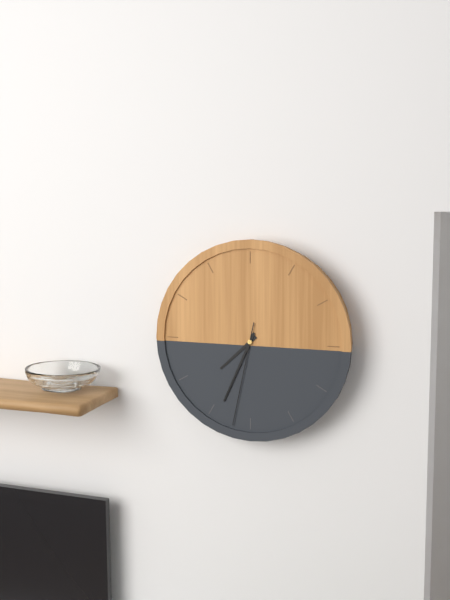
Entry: **7:34:32**
